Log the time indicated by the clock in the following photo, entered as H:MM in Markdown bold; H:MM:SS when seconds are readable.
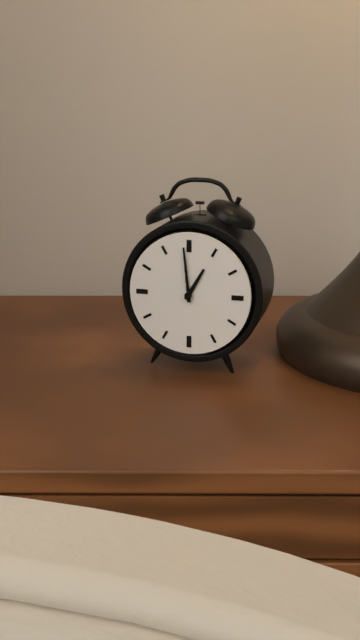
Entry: **12:59**
